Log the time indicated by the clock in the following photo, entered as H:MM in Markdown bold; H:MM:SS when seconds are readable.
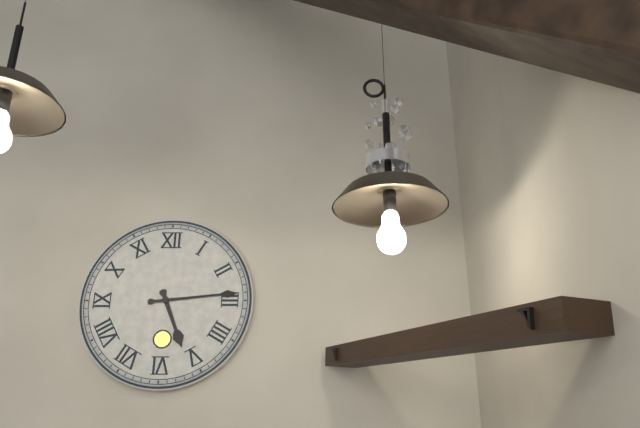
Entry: **5:14**
